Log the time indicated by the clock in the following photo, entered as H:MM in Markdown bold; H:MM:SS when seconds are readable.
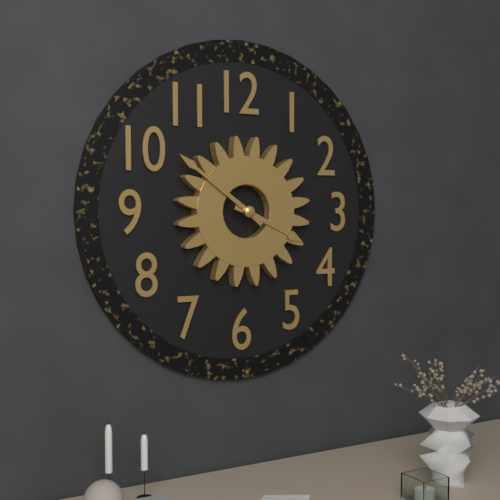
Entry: **3:51**
